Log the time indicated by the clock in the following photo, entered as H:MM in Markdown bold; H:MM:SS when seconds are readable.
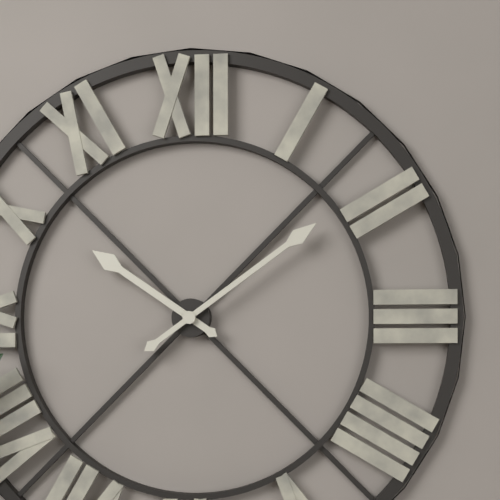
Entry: **10:09**
